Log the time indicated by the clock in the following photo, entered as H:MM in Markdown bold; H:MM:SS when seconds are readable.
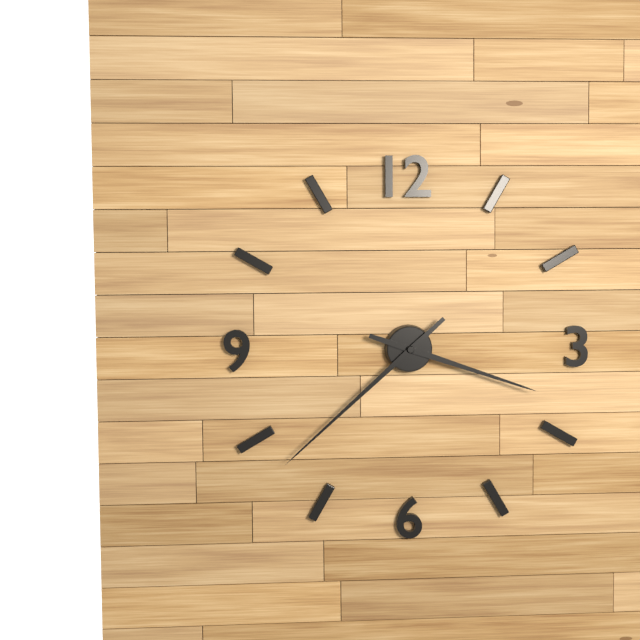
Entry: **3:38**
